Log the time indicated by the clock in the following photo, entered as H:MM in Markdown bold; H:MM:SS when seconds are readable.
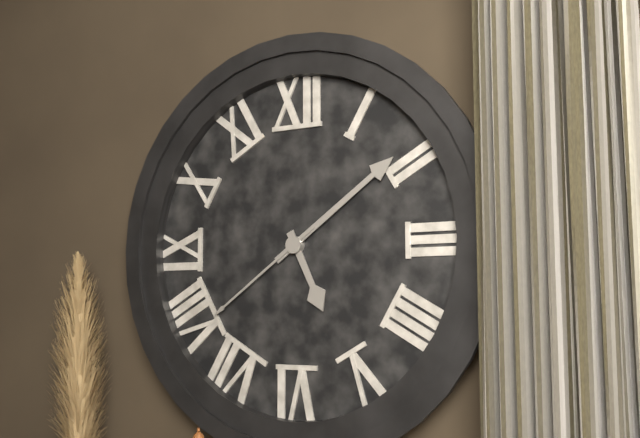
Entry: **5:09:39**
